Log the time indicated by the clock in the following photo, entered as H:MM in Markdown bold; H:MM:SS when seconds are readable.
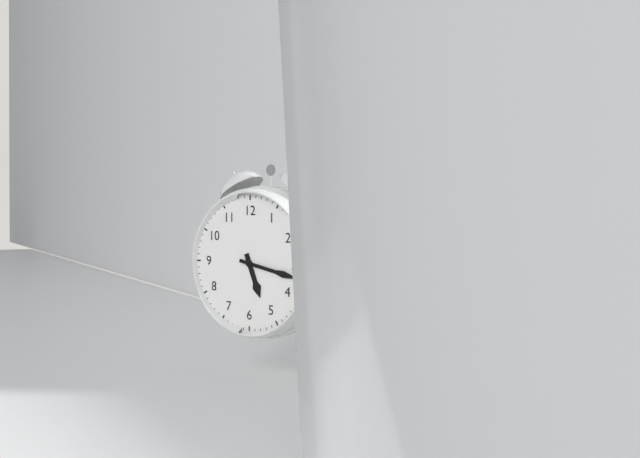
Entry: **5:17**
